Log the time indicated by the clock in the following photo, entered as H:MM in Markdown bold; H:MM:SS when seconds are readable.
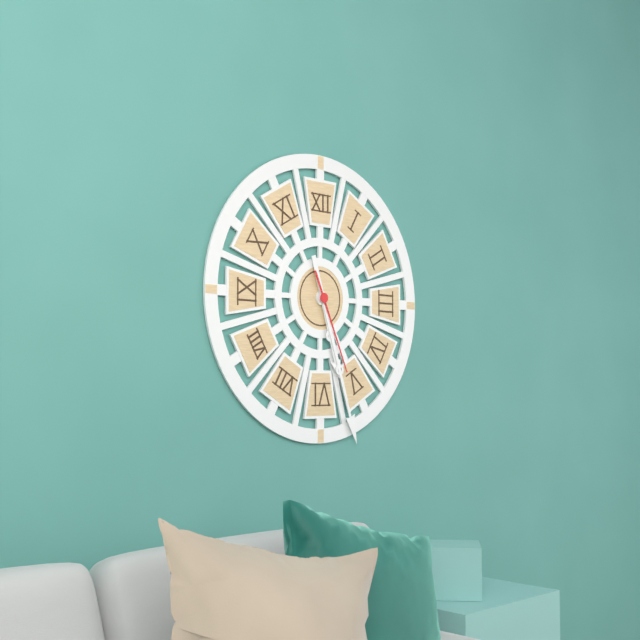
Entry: **5:27:26**
